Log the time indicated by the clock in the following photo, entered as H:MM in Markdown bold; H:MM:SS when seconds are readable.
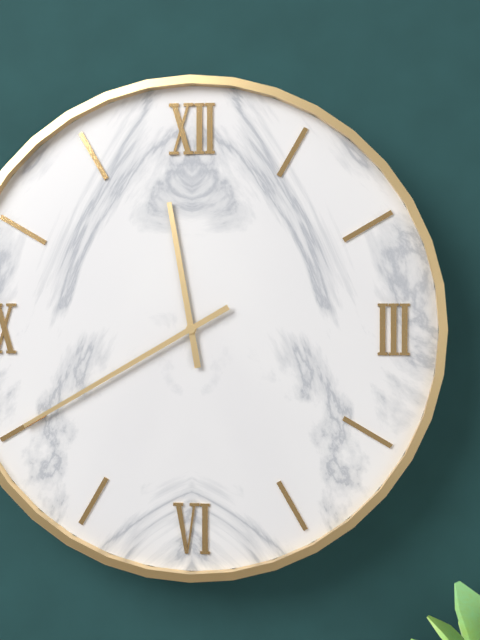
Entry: **11:40**
